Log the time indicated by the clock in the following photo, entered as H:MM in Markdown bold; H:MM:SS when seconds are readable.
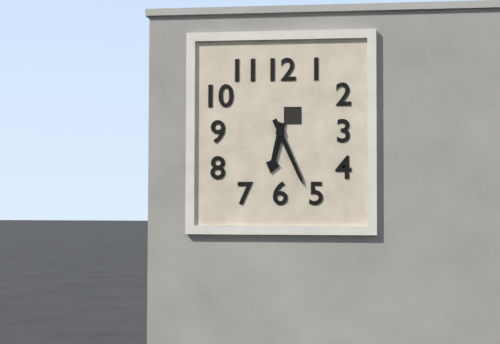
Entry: **6:26**
